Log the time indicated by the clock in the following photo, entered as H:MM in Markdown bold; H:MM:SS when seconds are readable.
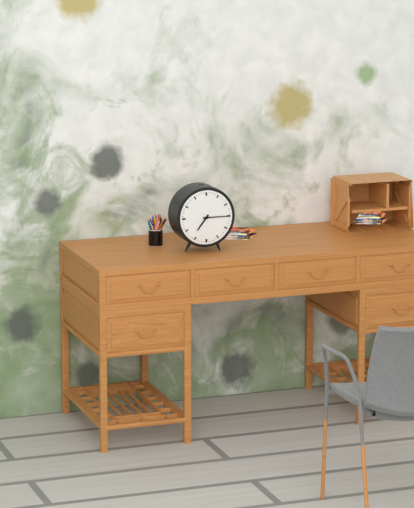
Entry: **7:15**
